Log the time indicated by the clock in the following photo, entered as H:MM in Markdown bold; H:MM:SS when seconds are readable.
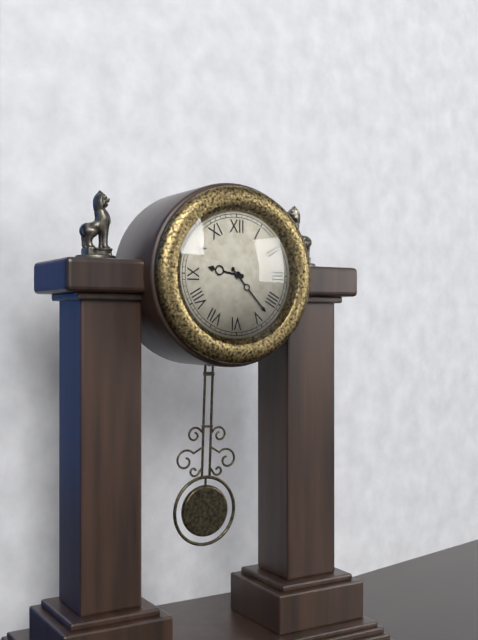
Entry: **9:23**
